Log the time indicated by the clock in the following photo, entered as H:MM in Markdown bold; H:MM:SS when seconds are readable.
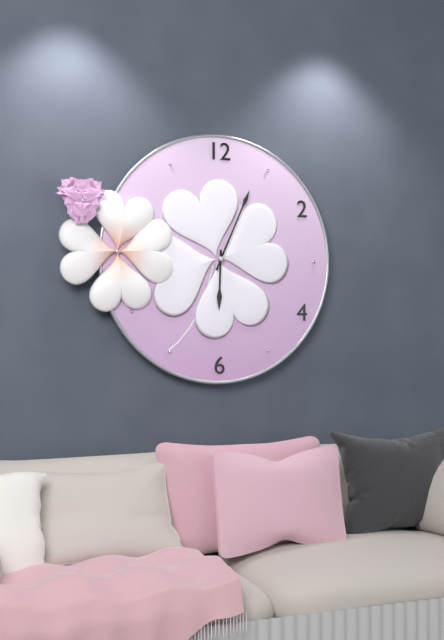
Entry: **6:04**
